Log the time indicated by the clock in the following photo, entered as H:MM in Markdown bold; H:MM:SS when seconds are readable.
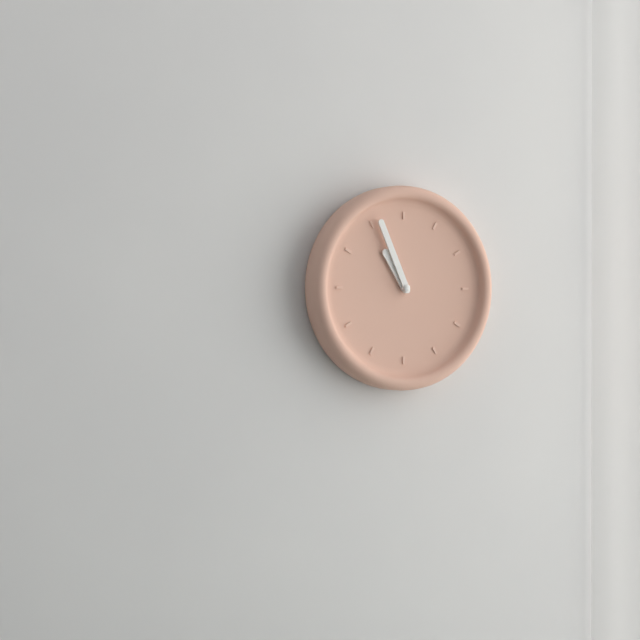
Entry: **10:56**
